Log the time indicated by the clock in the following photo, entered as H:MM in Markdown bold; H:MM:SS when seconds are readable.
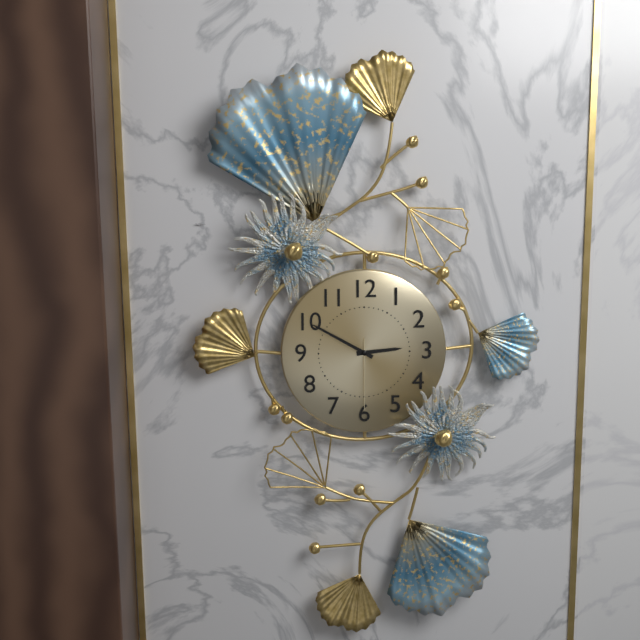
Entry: **2:50:30**
